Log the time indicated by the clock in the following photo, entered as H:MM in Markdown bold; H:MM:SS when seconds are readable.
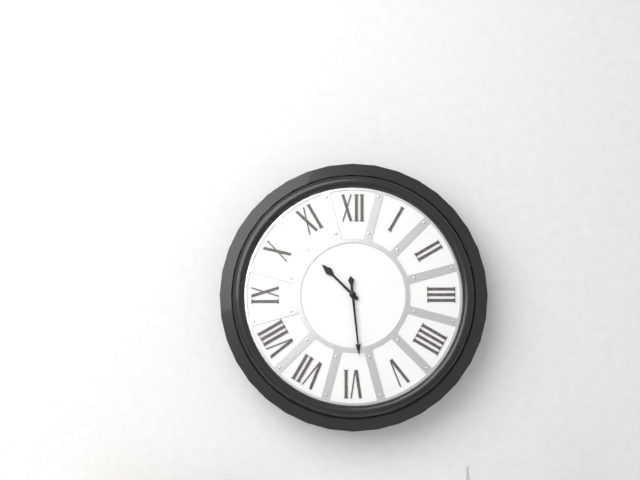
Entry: **10:29**
